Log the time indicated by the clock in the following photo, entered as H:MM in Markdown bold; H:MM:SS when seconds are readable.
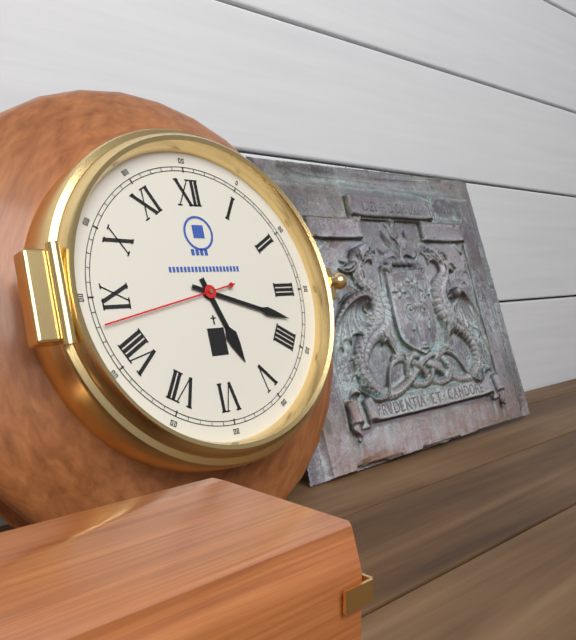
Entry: **5:18:43**
